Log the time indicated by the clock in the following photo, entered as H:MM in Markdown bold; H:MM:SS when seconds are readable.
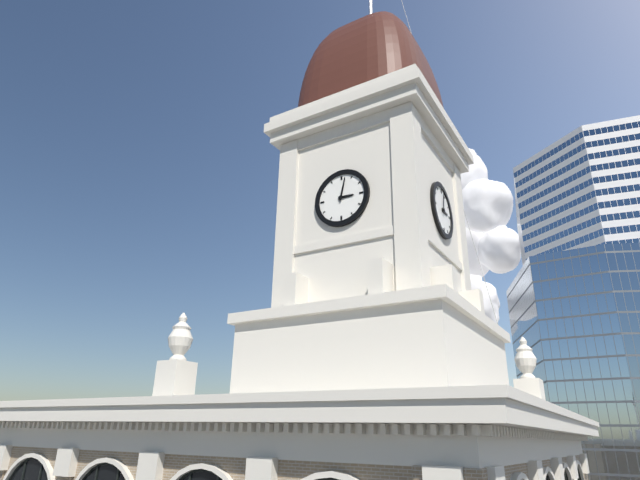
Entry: **3:02**
